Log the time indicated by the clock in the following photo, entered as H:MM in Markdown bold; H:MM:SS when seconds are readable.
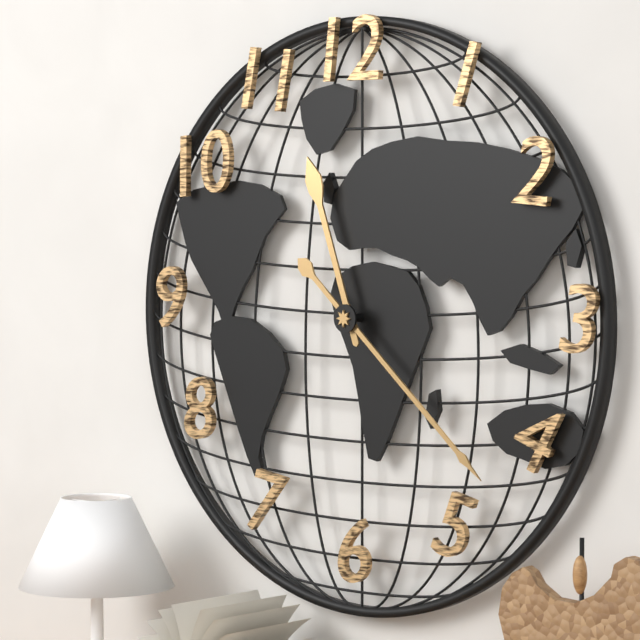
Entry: **11:22**
